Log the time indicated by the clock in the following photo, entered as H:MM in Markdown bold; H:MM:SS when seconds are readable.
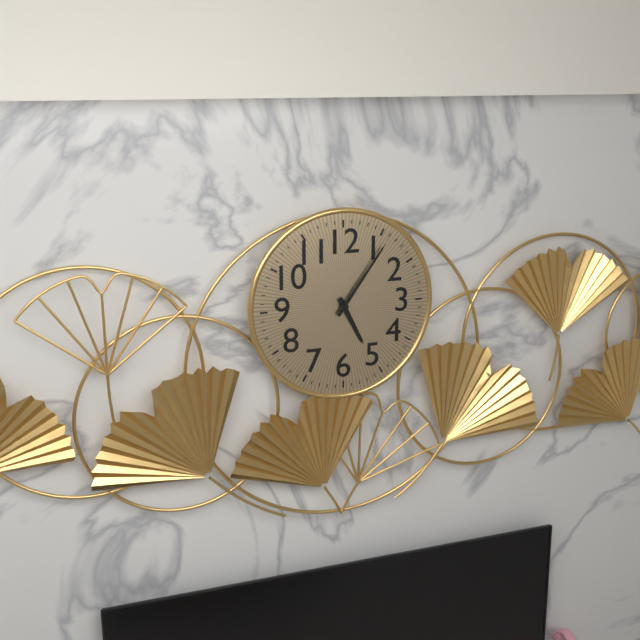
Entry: **5:06**
